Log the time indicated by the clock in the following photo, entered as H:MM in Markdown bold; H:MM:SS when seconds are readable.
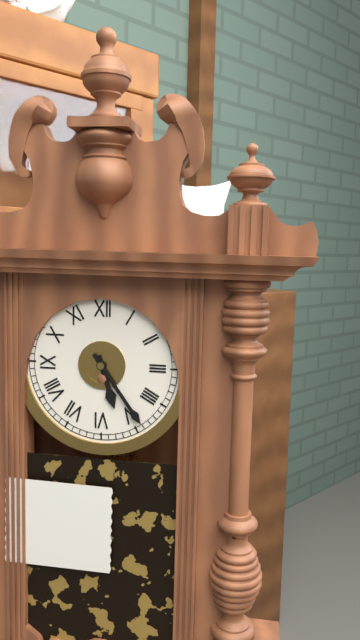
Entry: **5:24**
